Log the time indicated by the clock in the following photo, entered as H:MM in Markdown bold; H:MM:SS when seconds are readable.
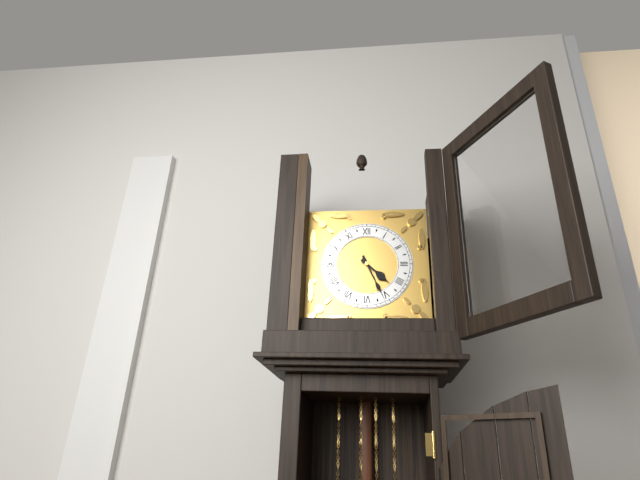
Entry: **4:26**
